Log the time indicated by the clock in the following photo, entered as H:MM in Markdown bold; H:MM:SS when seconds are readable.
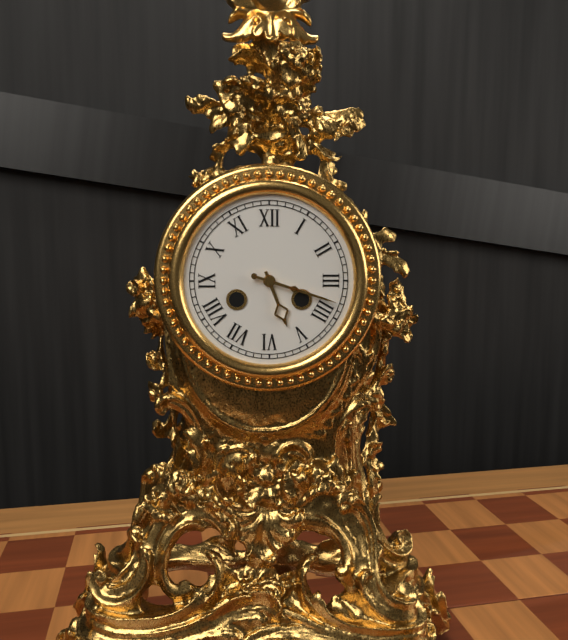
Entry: **5:18**
